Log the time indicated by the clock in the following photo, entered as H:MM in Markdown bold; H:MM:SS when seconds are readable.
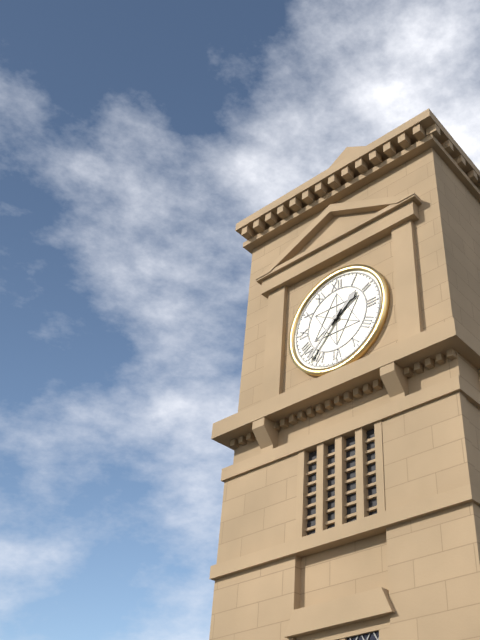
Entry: **1:37**
